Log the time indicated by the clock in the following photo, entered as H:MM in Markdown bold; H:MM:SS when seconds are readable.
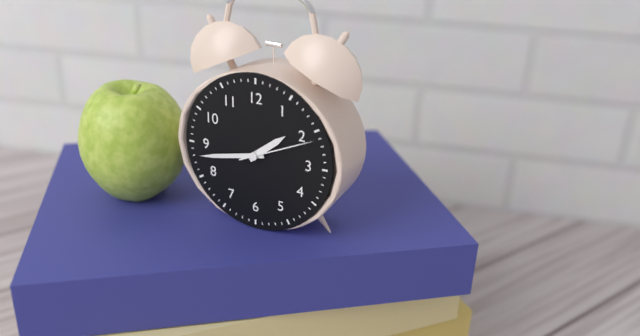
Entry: **1:43:11**
